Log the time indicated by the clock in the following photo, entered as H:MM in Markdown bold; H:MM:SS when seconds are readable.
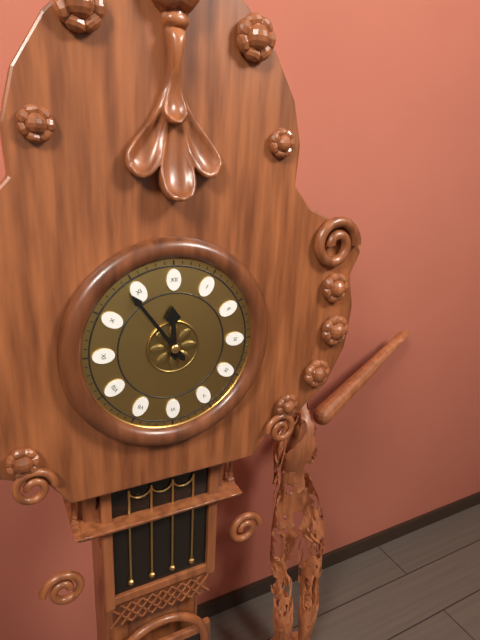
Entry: **11:54**
